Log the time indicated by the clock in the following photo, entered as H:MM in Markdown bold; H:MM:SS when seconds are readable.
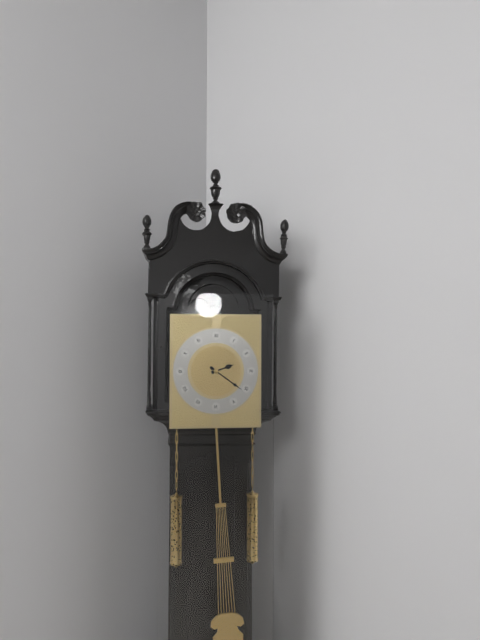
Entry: **2:21**
